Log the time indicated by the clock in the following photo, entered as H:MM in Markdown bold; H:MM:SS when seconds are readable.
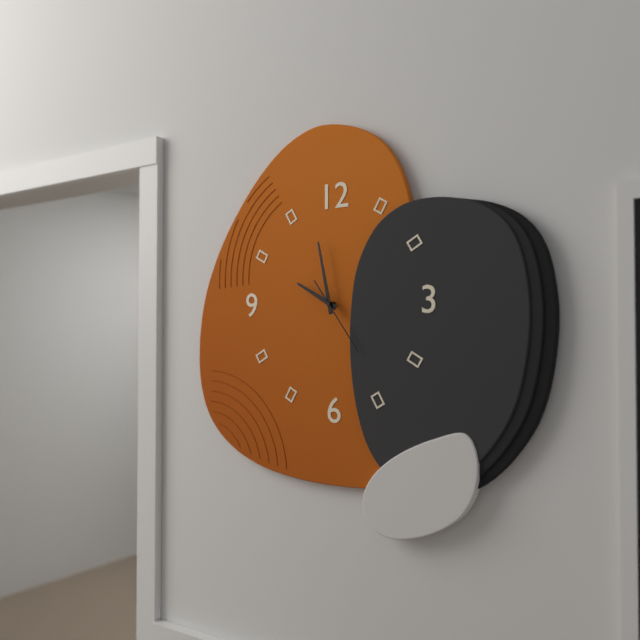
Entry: **9:58:24**
